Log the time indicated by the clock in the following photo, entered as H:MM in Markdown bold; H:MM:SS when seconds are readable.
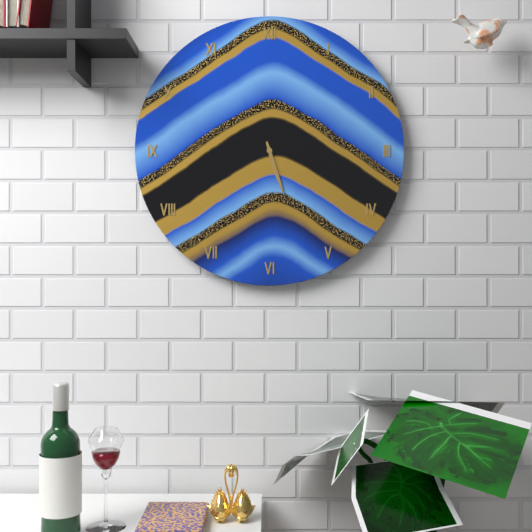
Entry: **5:27**
